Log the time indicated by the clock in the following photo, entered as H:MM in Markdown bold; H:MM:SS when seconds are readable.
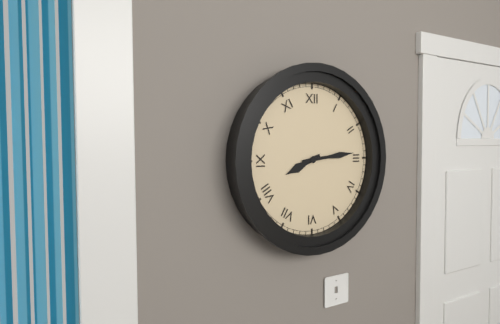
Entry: **8:14**
